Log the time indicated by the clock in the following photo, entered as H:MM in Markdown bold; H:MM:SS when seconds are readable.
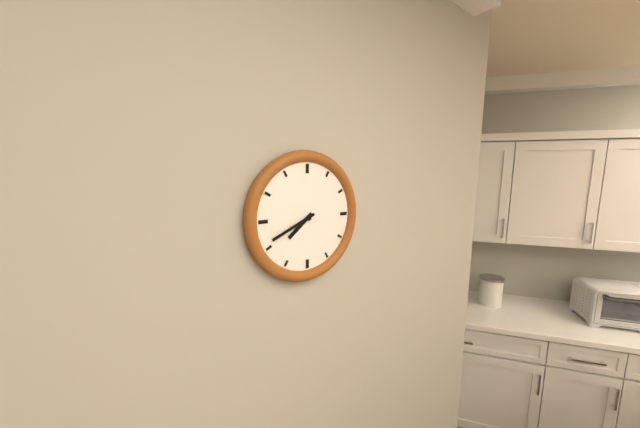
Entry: **7:41**
